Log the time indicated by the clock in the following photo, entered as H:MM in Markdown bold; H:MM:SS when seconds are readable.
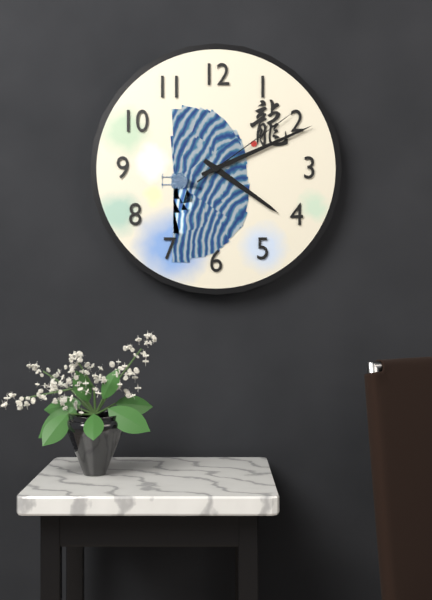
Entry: **4:11:09**
